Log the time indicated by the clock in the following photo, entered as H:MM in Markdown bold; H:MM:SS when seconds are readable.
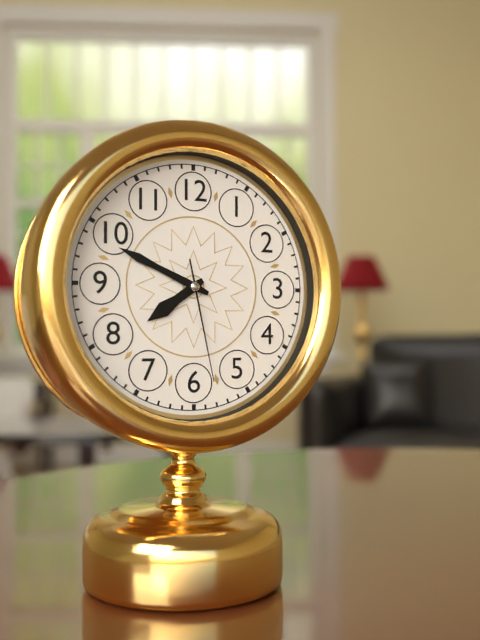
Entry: **7:49:28**
